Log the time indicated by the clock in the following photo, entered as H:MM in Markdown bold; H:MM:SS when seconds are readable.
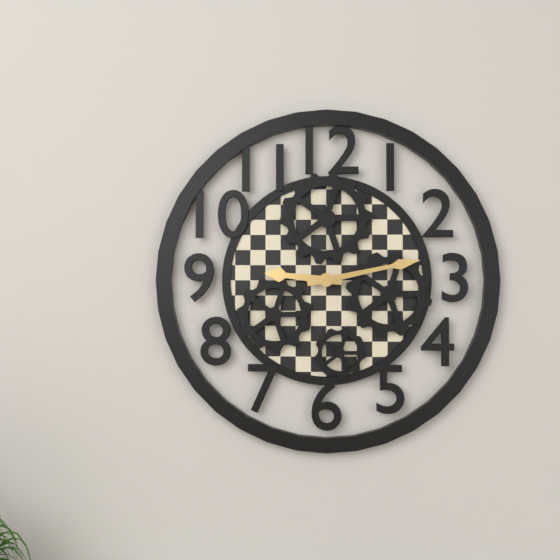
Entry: **9:13**
